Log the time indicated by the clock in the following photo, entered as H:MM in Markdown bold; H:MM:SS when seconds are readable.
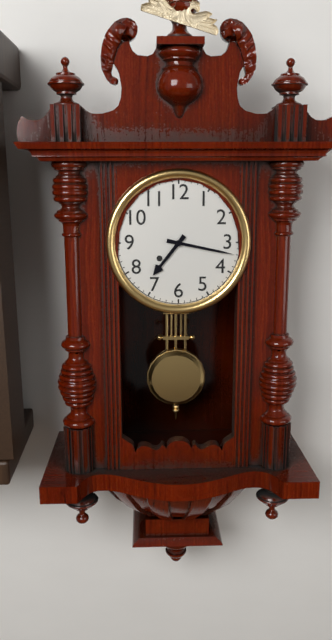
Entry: **7:17**
